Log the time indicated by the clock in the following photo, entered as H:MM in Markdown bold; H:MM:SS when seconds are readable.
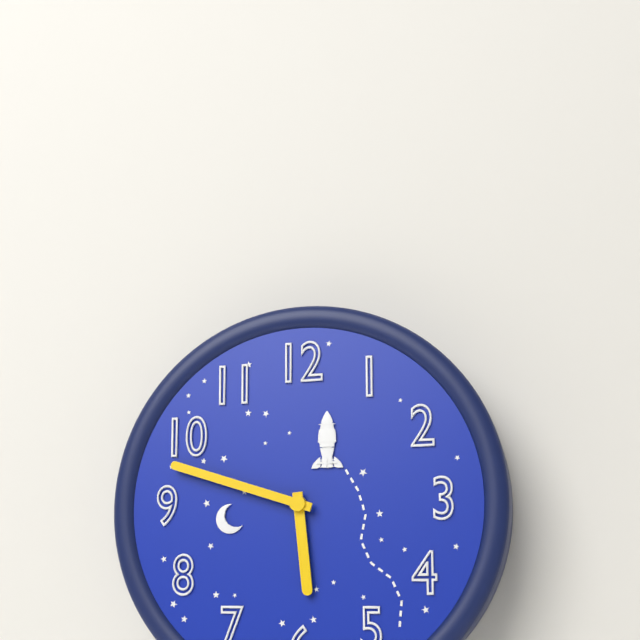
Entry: **5:48**
